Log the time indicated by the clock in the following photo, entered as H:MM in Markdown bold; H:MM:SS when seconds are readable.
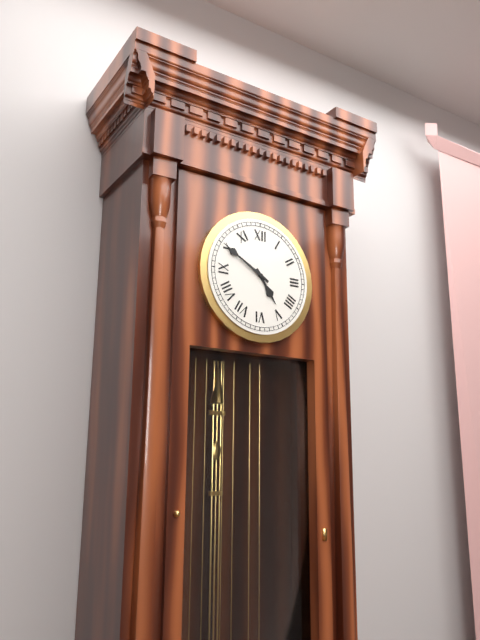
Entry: **4:50**
